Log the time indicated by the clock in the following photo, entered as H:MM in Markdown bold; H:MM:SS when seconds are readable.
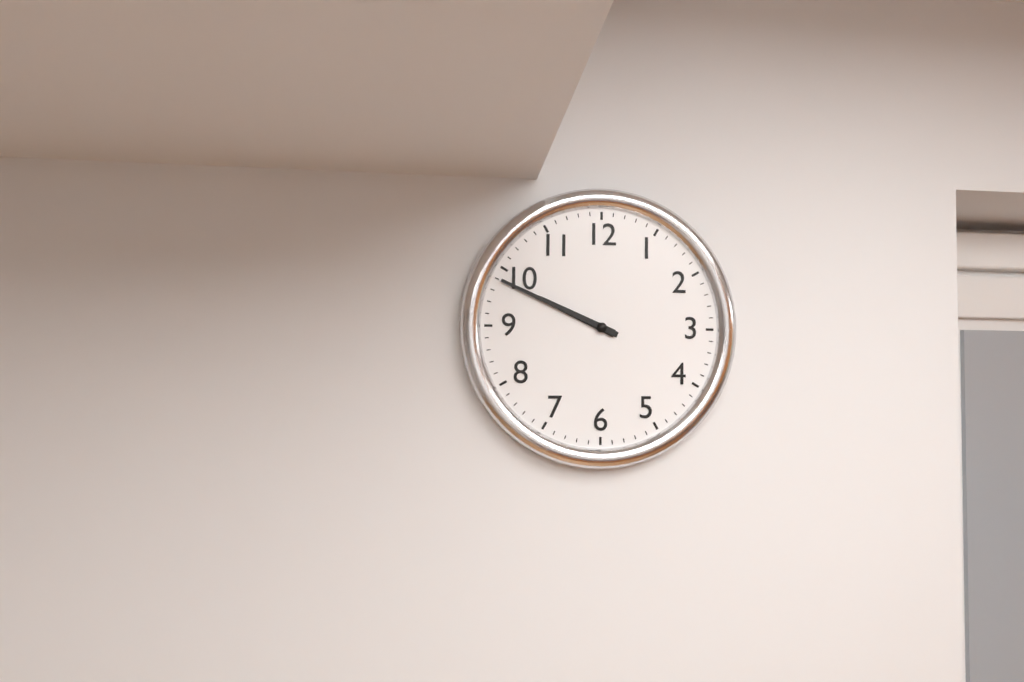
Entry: **9:49**
